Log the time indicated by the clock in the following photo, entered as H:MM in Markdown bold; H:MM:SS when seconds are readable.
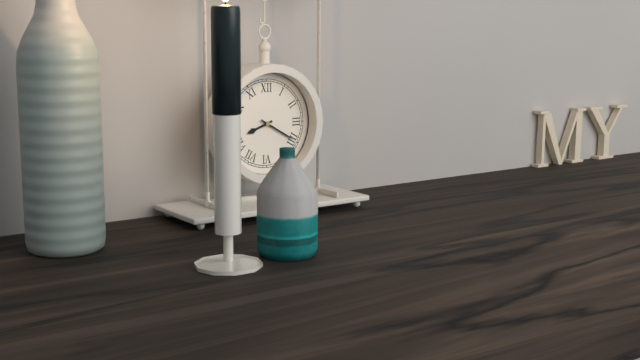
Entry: **8:20**
